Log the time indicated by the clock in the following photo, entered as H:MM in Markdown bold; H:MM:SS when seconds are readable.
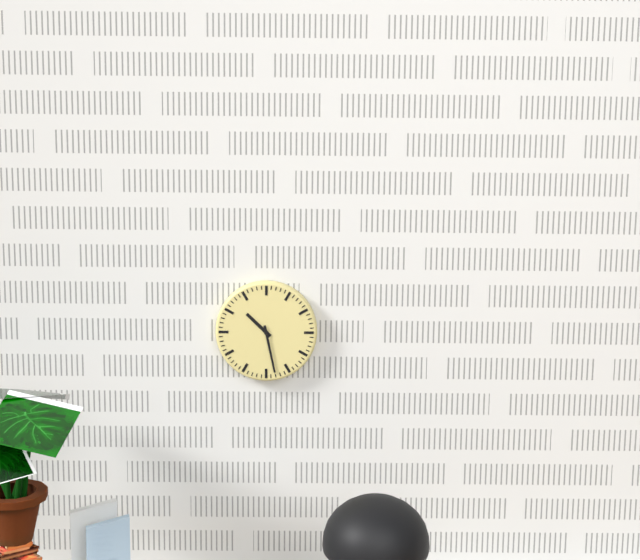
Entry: **10:28**
